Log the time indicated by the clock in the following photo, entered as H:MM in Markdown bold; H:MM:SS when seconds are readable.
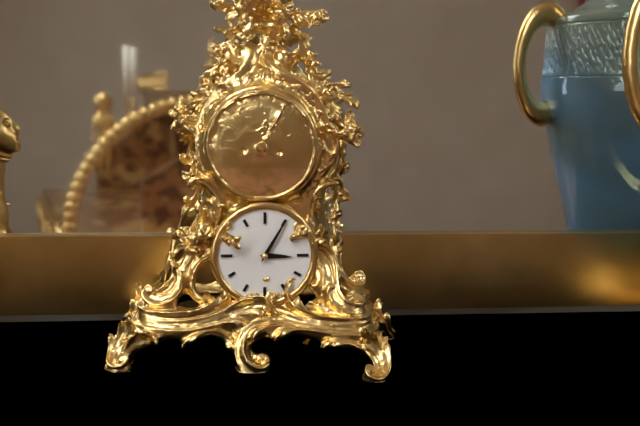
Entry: **3:05**
